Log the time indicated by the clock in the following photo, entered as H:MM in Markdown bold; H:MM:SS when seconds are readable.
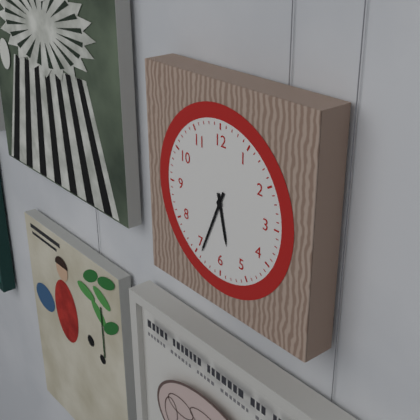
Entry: **5:34**
